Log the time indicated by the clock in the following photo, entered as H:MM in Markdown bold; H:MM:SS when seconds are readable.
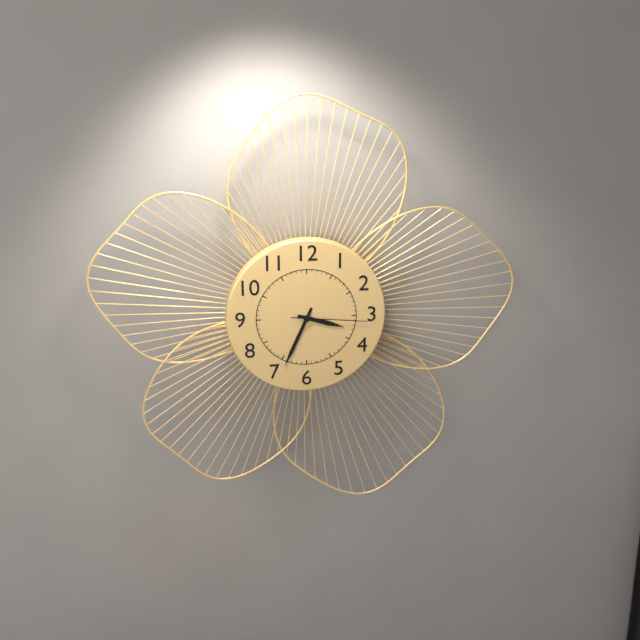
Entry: **3:34:16**
